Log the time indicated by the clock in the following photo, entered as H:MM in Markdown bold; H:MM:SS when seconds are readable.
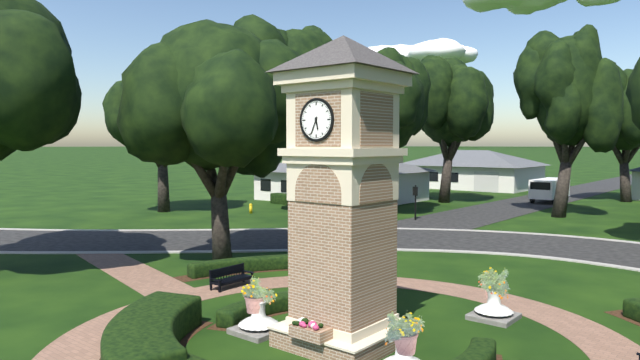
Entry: **5:34**
